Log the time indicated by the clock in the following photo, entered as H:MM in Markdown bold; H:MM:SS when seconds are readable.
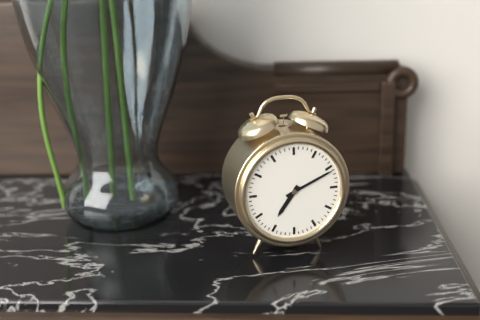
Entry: **7:11**
